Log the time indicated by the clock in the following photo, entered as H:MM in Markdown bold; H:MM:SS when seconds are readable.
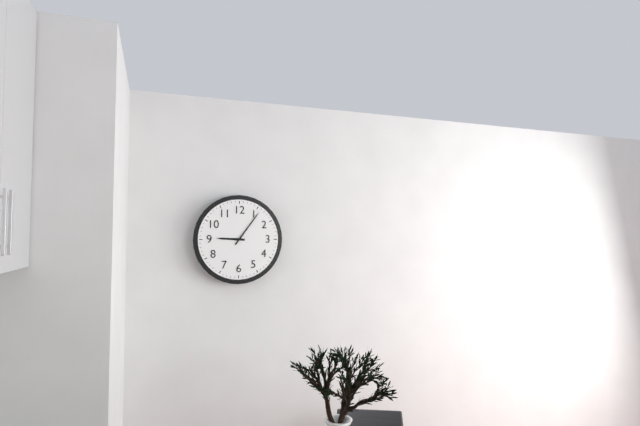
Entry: **9:06**
